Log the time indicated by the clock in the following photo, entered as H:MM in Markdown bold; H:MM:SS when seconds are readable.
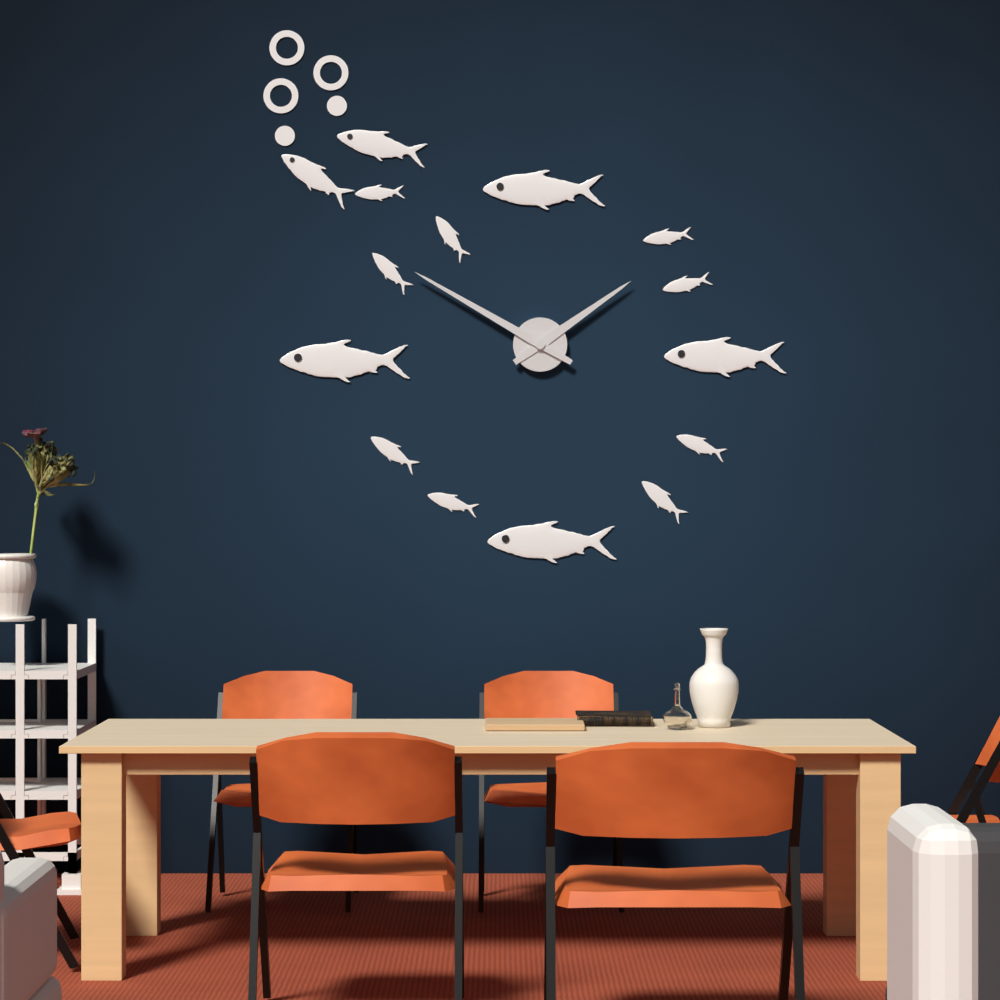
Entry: **1:50**
